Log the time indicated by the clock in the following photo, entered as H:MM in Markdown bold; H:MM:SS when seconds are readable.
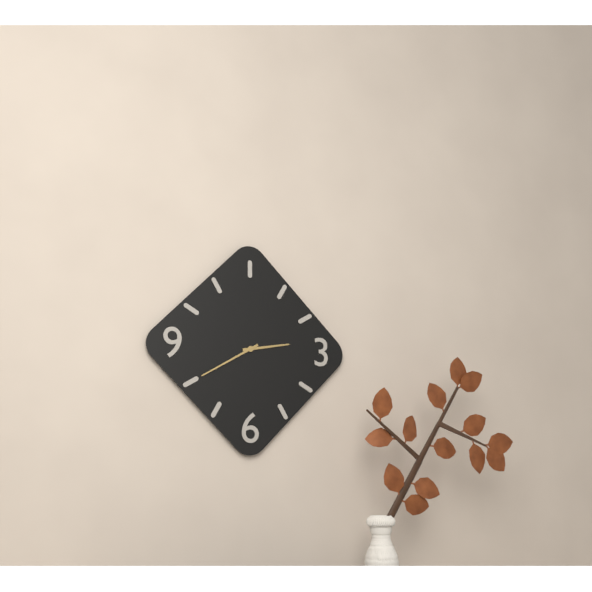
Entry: **2:40**
